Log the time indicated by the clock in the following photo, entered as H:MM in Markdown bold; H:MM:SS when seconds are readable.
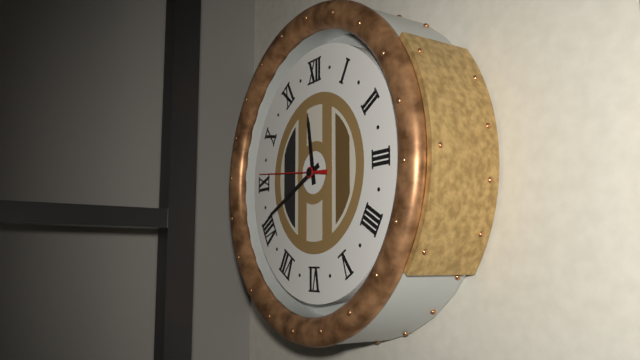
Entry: **11:41:46**
